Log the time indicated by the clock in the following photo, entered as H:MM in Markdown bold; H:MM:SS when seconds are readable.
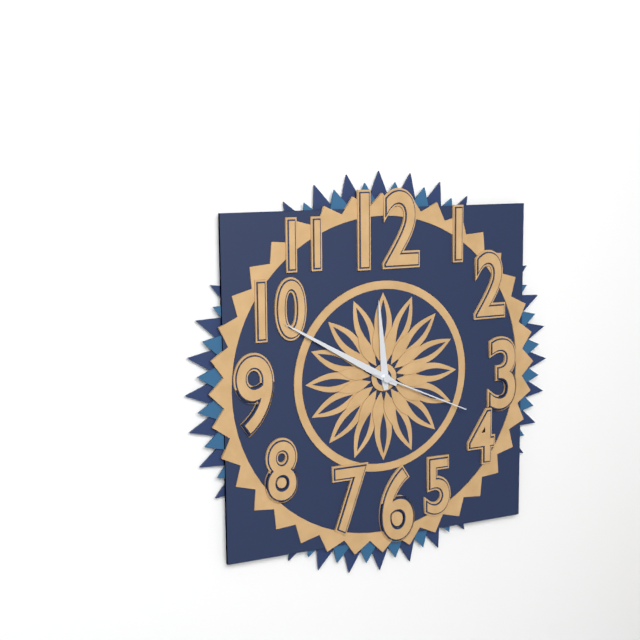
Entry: **11:50:19**
